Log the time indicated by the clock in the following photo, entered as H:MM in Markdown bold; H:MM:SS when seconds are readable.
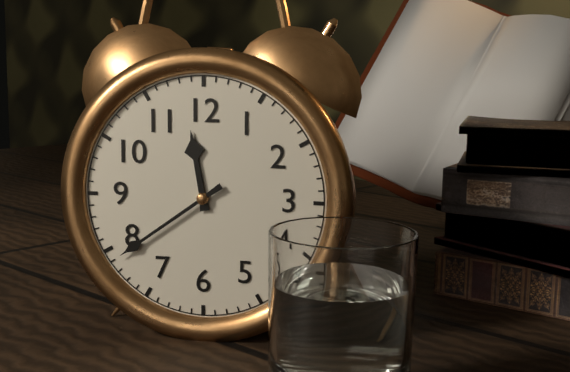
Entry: **11:39**
